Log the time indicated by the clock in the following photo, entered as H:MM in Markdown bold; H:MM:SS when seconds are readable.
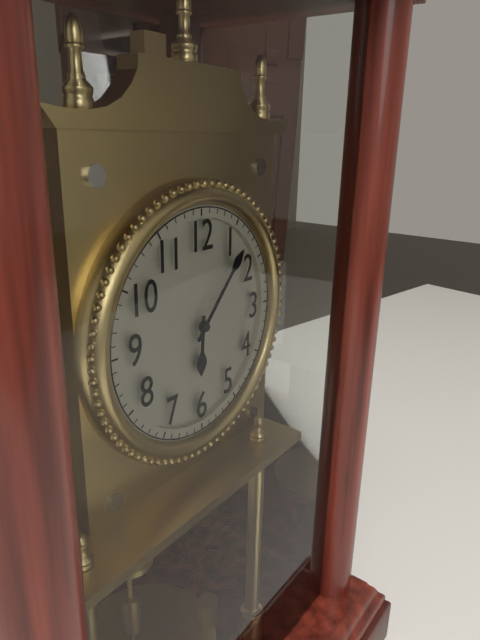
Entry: **6:07**
